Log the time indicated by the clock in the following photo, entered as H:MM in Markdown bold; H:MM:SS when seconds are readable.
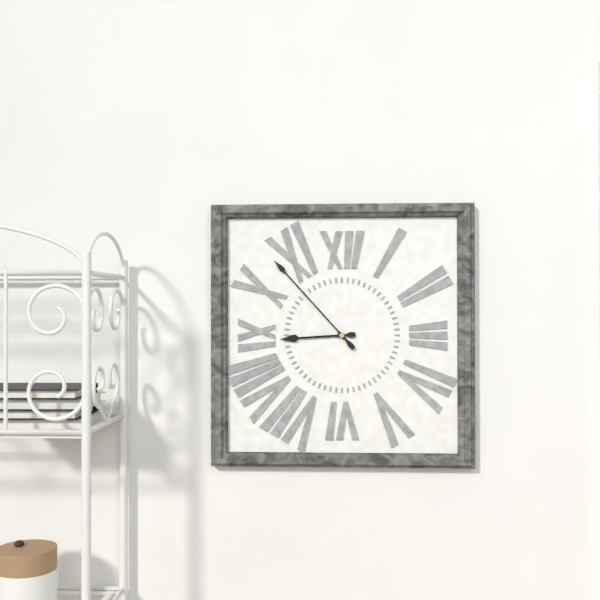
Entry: **8:53**
